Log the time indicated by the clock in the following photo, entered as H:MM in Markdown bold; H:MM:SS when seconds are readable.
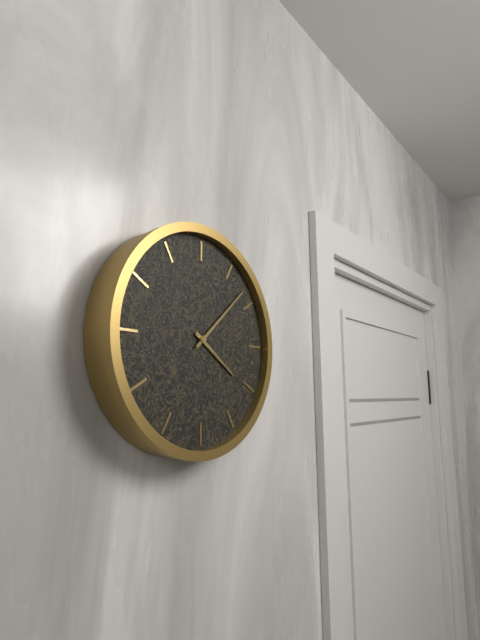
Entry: **4:08**
